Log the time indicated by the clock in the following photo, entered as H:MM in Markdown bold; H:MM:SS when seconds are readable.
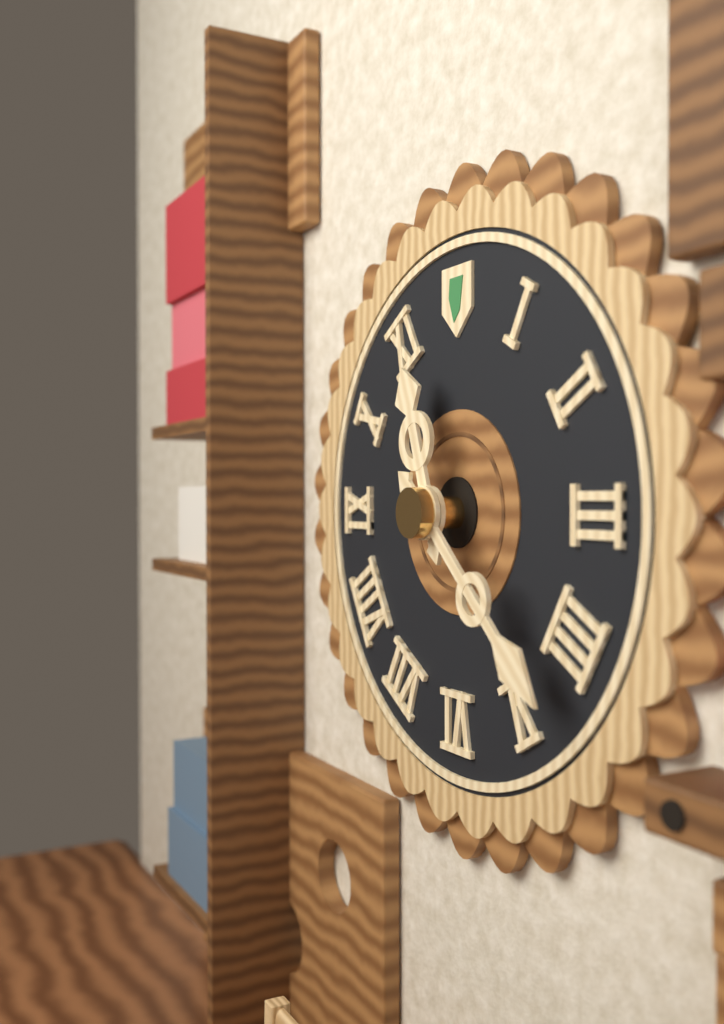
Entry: **11:22**
